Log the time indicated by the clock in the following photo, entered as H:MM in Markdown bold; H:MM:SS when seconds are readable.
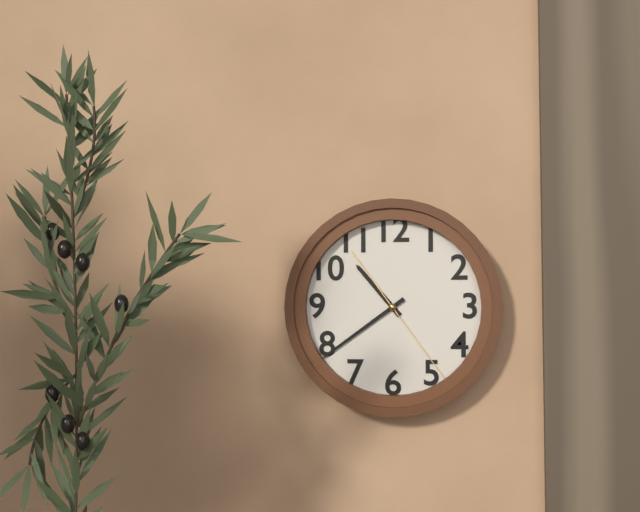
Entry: **10:39:24**
